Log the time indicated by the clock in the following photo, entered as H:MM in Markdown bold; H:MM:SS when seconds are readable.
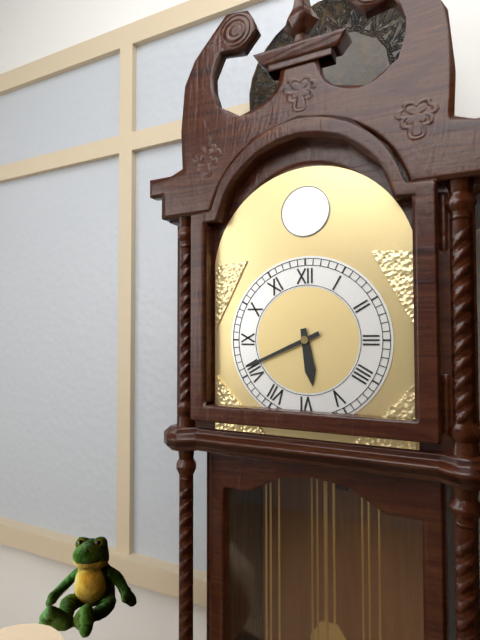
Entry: **5:41**
